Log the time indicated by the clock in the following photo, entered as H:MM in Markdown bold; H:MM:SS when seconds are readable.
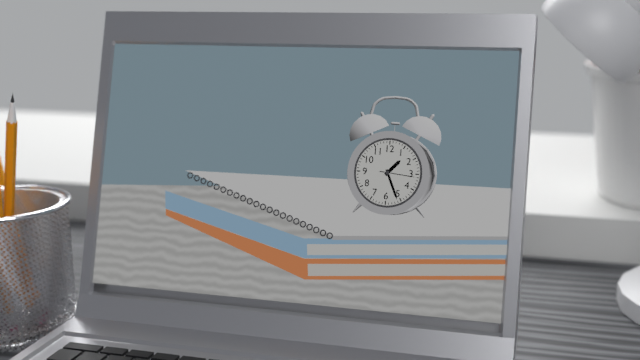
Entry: **1:26**
